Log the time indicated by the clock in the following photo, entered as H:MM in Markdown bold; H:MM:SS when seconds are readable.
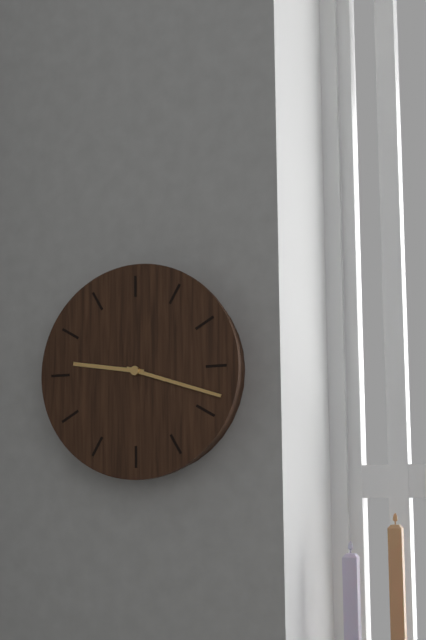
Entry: **9:18**
